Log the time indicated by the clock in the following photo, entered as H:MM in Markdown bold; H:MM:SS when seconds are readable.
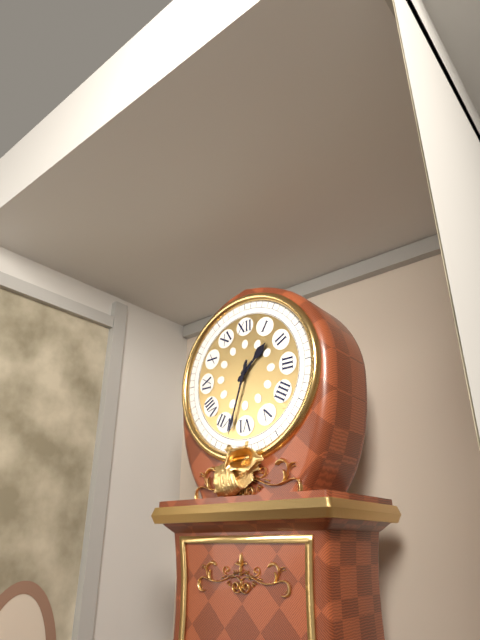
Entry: **1:33**
